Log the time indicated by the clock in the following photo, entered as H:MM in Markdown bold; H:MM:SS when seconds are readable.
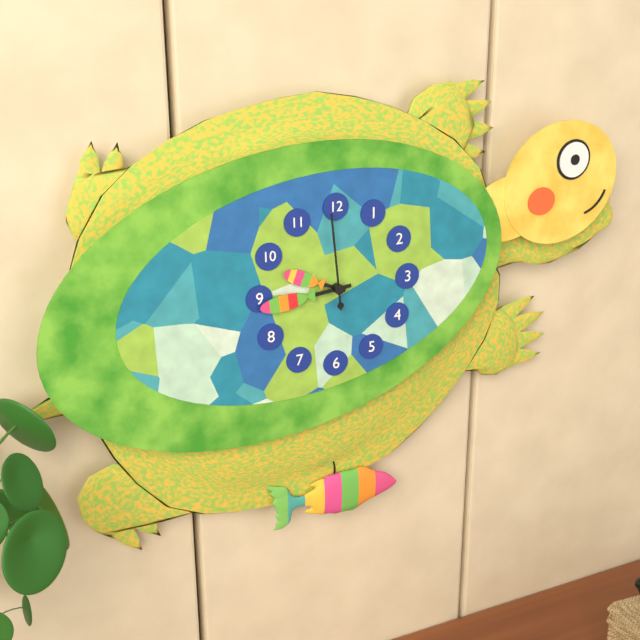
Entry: **9:44:59**
